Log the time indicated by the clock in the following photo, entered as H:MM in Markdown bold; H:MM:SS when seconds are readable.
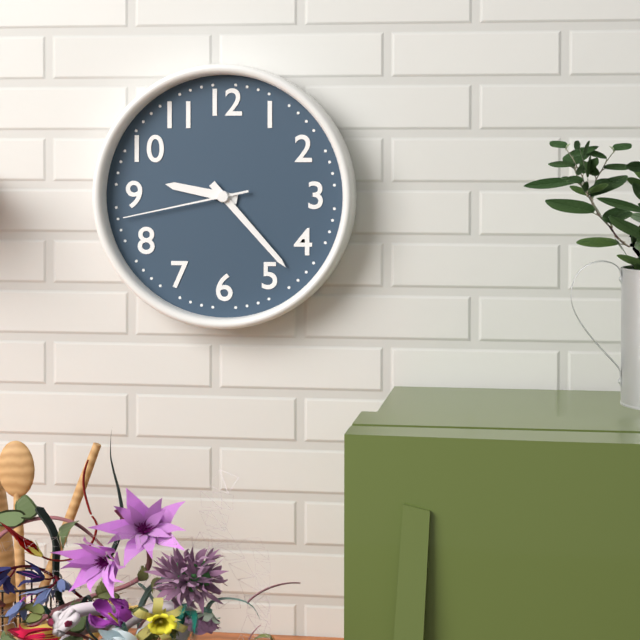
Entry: **9:23:43**
